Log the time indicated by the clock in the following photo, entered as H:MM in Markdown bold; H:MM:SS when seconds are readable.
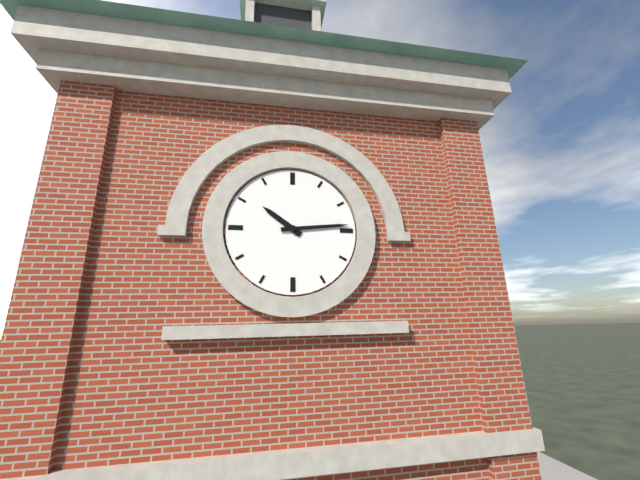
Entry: **10:14**
